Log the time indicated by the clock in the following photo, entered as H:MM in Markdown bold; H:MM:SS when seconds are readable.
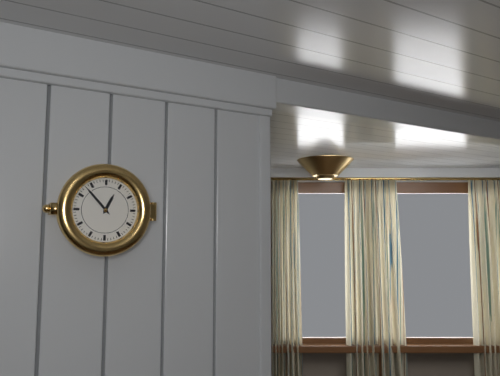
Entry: **12:53**
